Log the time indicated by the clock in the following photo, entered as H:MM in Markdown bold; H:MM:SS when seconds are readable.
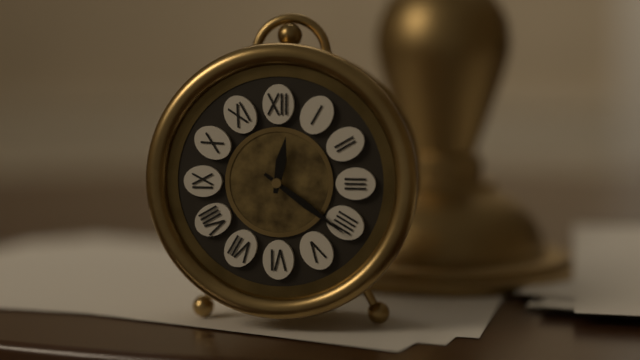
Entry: **12:21**
